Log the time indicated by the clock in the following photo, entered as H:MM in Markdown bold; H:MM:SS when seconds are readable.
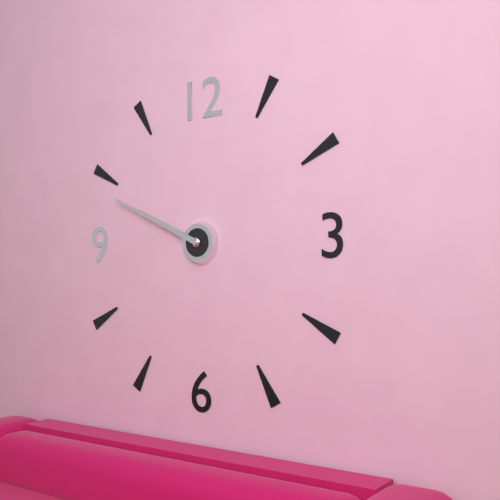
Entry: **9:49**
